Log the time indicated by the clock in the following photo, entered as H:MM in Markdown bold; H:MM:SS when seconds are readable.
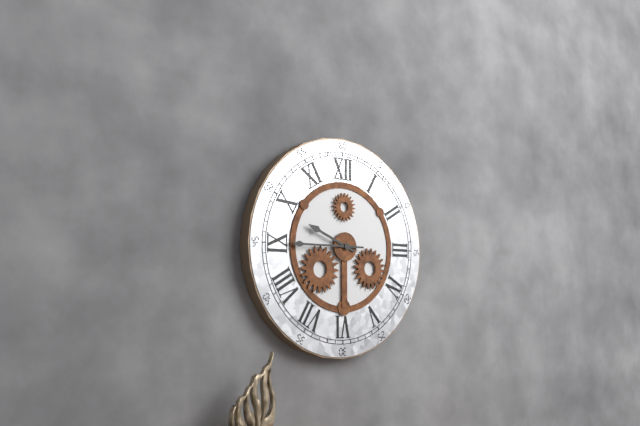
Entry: **9:45**
